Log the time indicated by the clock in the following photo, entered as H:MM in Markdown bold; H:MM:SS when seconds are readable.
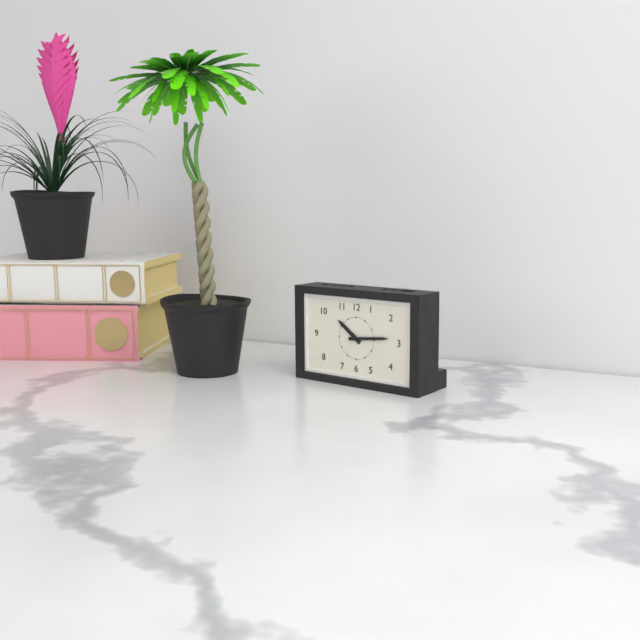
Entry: **10:14**
